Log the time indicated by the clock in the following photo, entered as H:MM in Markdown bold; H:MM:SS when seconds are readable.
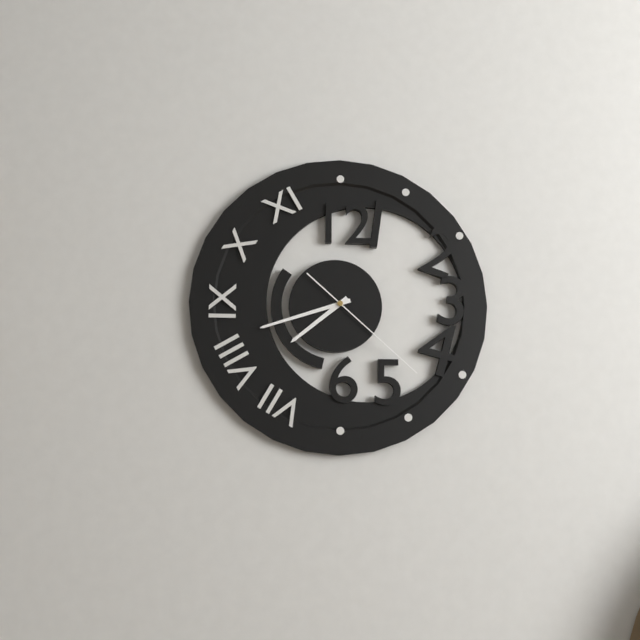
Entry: **7:42:22**
